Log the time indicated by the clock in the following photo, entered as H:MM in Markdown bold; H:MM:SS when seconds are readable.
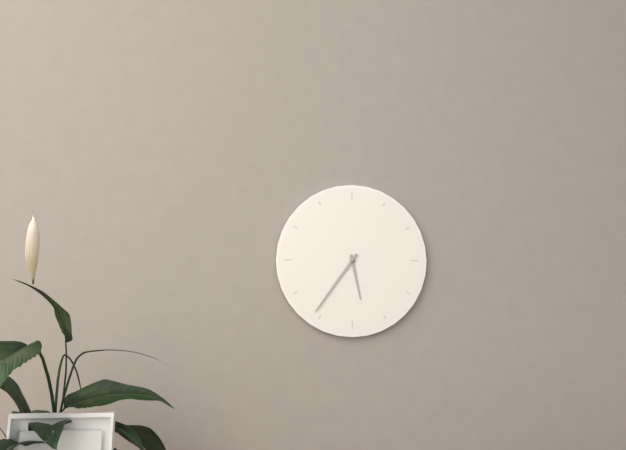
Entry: **5:36**
